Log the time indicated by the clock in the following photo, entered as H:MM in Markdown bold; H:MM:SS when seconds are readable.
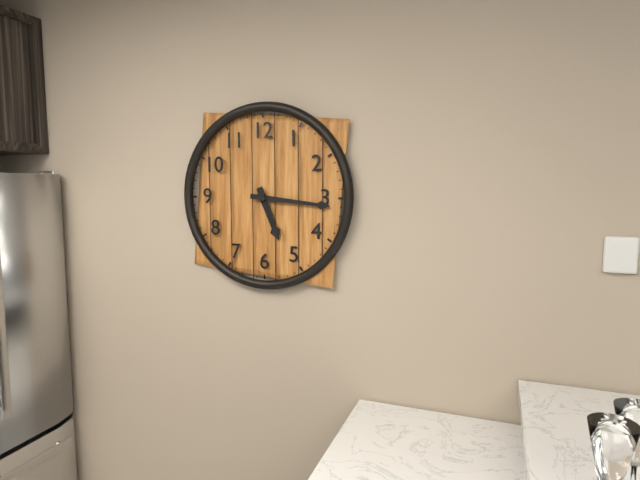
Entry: **5:16**
